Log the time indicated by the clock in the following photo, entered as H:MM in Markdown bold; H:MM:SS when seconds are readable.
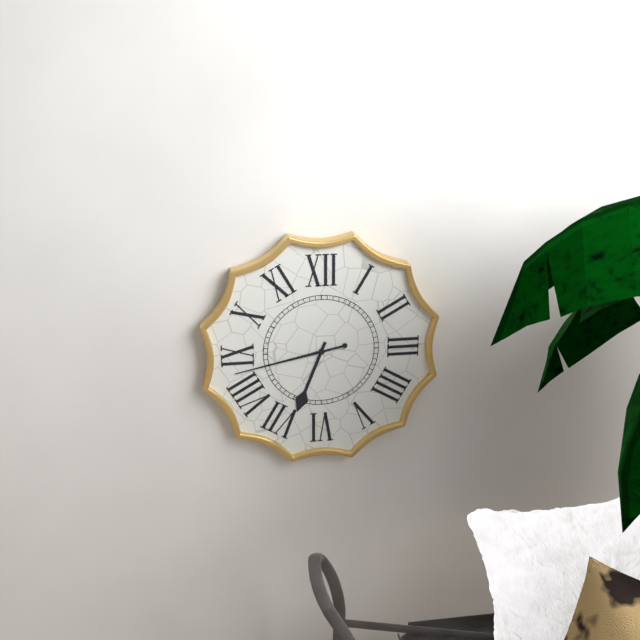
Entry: **6:43**
